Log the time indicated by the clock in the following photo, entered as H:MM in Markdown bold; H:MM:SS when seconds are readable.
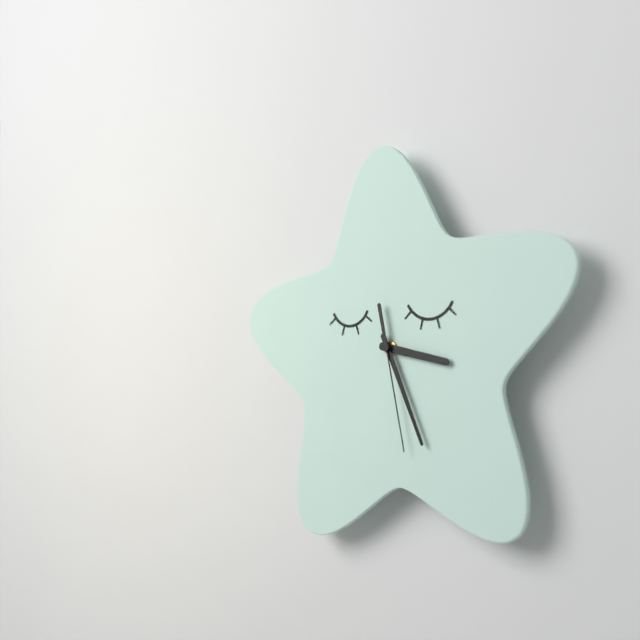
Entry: **3:26:28**
